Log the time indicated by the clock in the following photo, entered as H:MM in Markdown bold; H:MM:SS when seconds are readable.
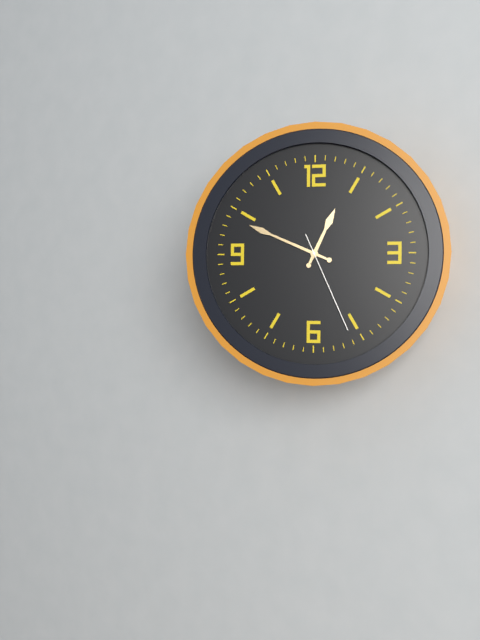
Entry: **12:49:26**
